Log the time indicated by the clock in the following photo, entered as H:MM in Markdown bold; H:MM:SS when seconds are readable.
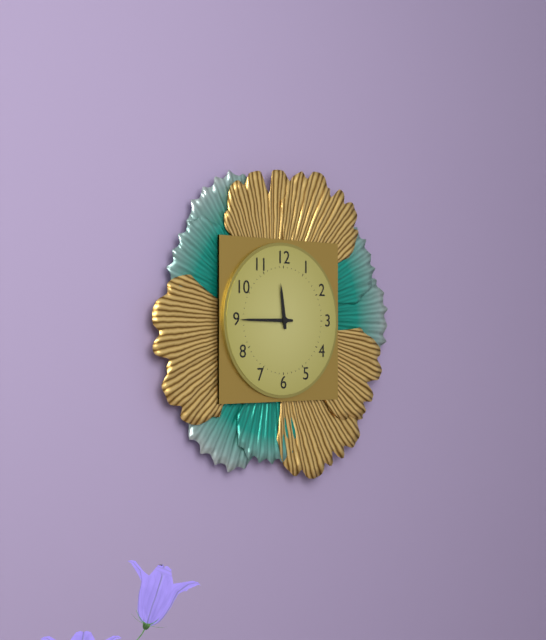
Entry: **11:45**
